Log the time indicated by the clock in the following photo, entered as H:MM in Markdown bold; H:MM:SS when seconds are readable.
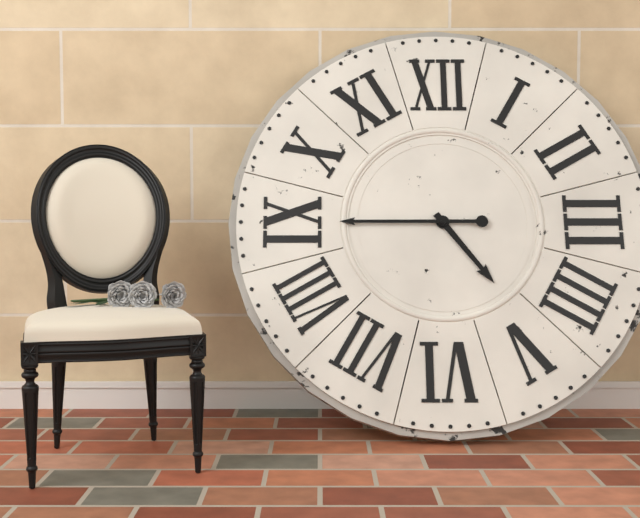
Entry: **4:45**
